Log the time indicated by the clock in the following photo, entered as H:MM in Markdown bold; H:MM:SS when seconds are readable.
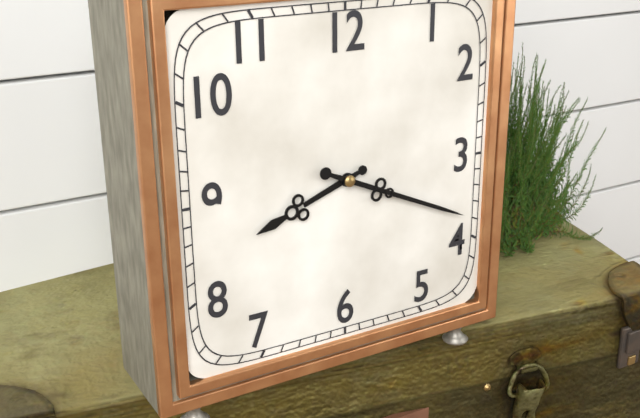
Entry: **8:19**
